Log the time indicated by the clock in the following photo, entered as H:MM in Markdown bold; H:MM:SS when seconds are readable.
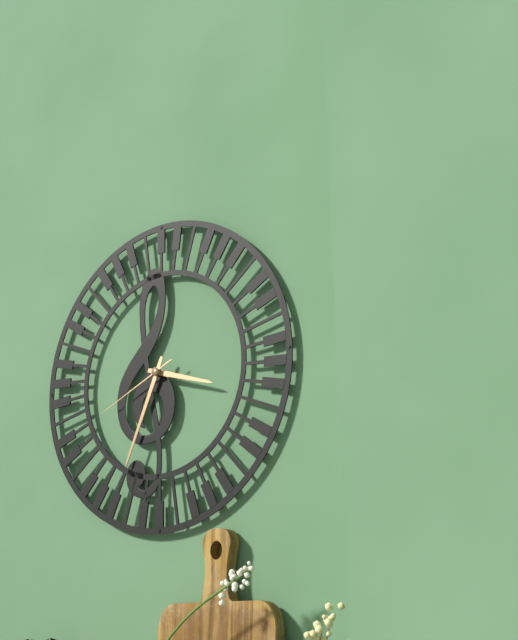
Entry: **3:34:41**
